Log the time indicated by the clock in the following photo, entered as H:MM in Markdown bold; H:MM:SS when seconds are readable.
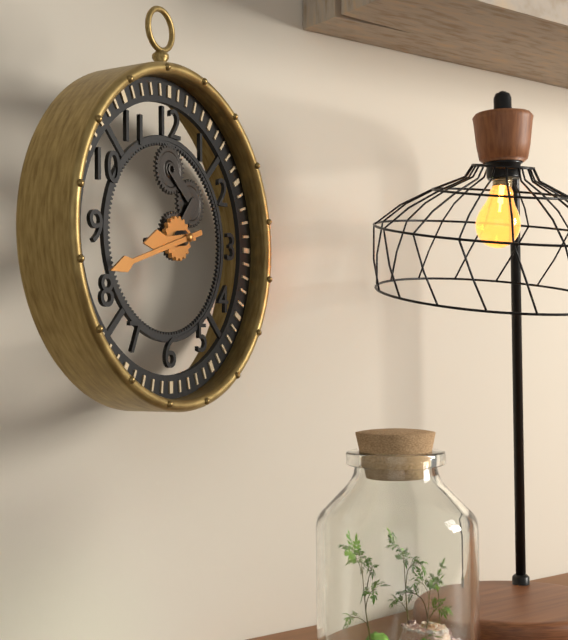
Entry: **8:42**
